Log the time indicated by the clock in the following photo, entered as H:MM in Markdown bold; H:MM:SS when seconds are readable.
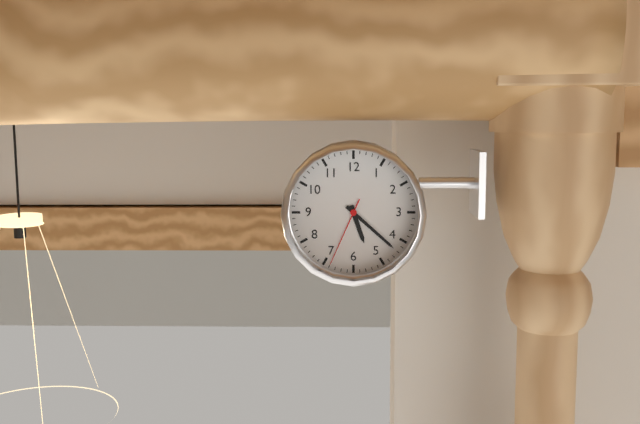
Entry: **5:22:34**
